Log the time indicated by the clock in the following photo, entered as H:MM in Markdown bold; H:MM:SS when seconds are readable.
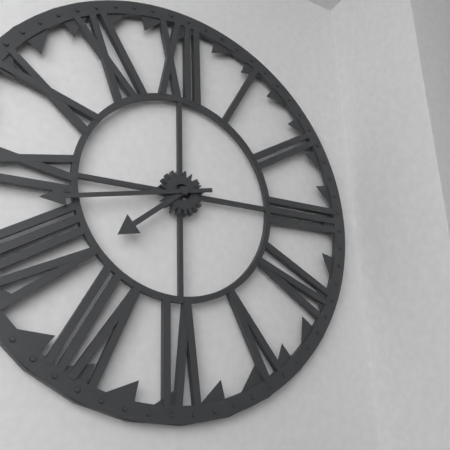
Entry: **7:43**
